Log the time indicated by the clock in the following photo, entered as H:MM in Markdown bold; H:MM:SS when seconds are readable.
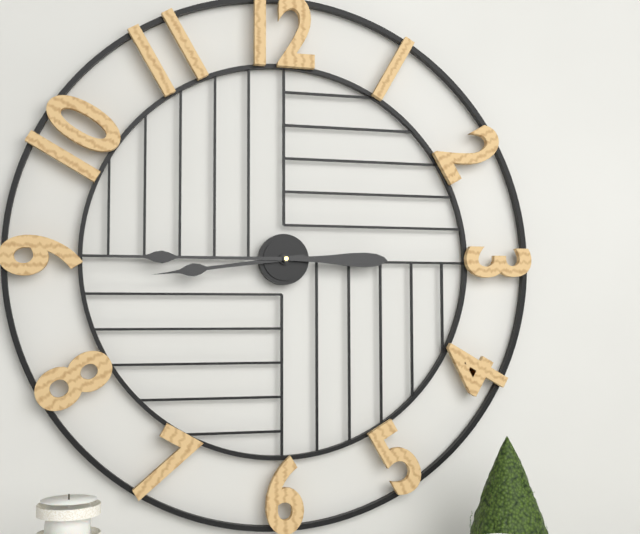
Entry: **8:45**
